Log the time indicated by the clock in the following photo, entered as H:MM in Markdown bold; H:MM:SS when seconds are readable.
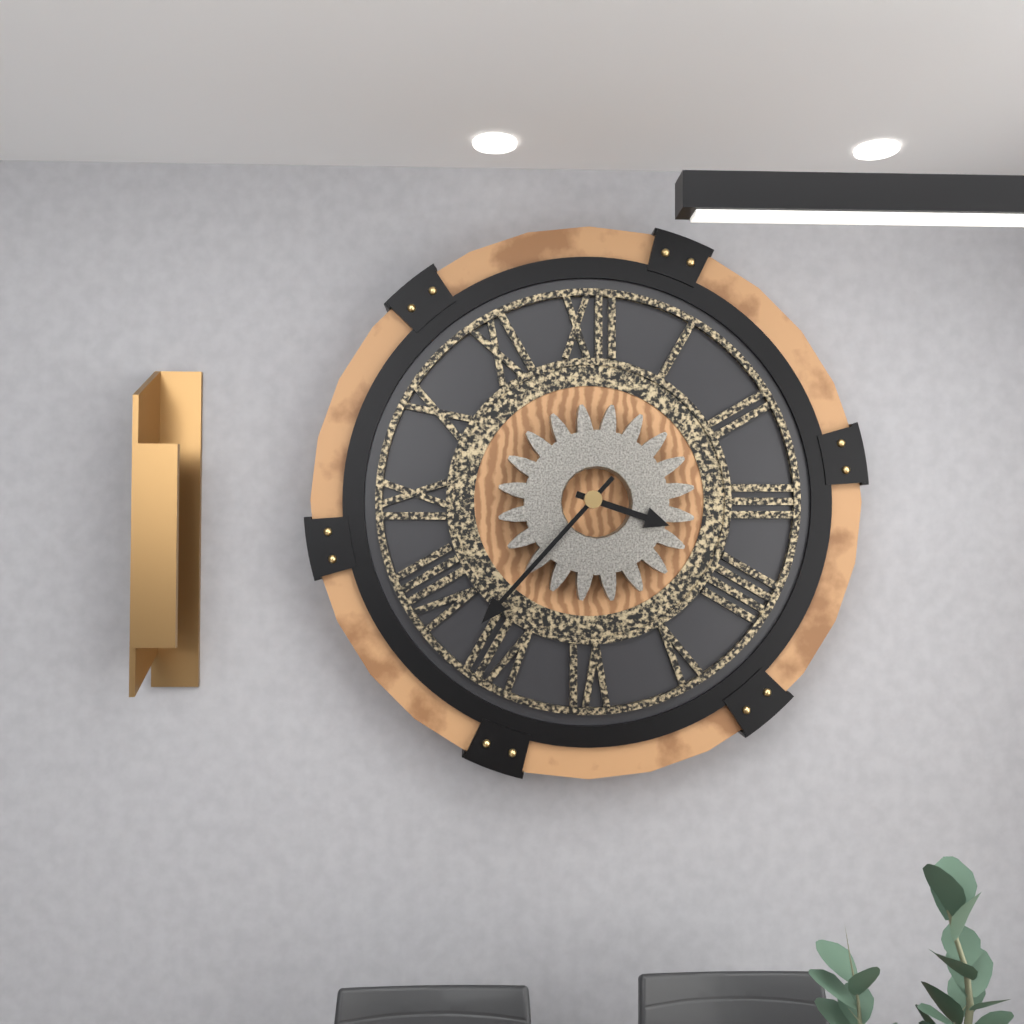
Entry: **3:37**
